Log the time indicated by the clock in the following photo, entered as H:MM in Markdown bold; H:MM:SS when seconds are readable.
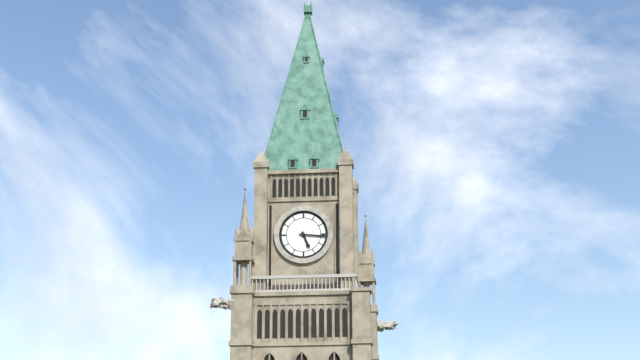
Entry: **5:16**
